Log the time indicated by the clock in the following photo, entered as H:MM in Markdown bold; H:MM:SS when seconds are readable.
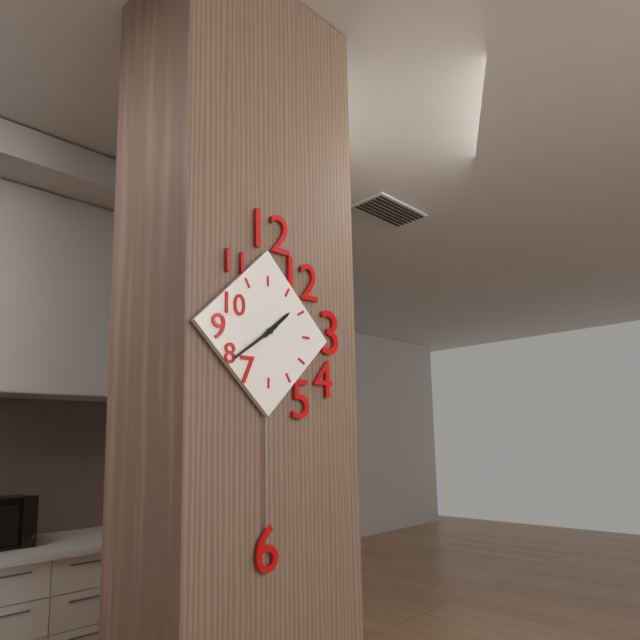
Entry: **1:39**
